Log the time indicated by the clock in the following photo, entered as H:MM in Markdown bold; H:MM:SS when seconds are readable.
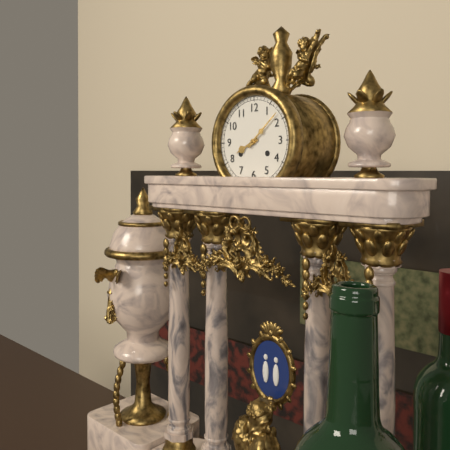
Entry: **8:08**
